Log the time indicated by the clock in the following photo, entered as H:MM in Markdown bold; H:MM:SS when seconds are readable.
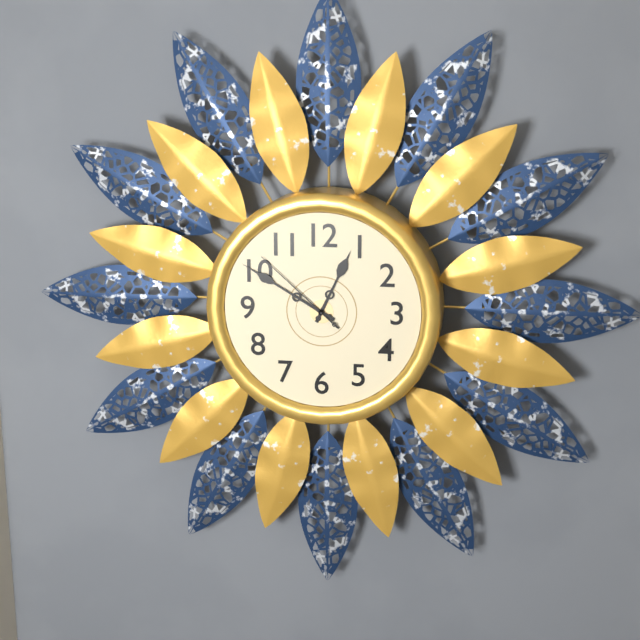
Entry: **12:50:52**
